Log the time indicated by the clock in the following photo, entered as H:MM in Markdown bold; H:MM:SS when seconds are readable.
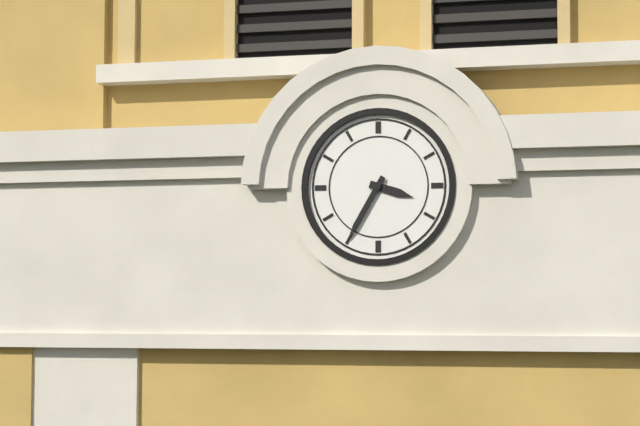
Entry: **3:35**
